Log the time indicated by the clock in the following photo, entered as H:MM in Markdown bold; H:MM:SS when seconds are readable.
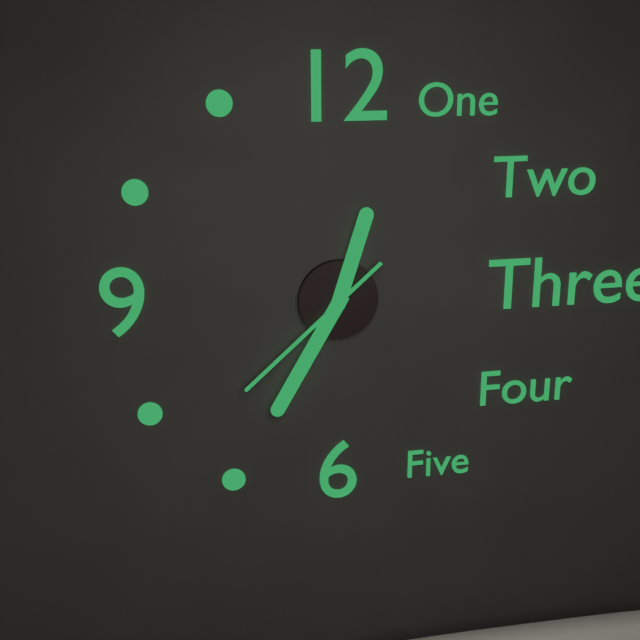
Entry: **12:35:38**
